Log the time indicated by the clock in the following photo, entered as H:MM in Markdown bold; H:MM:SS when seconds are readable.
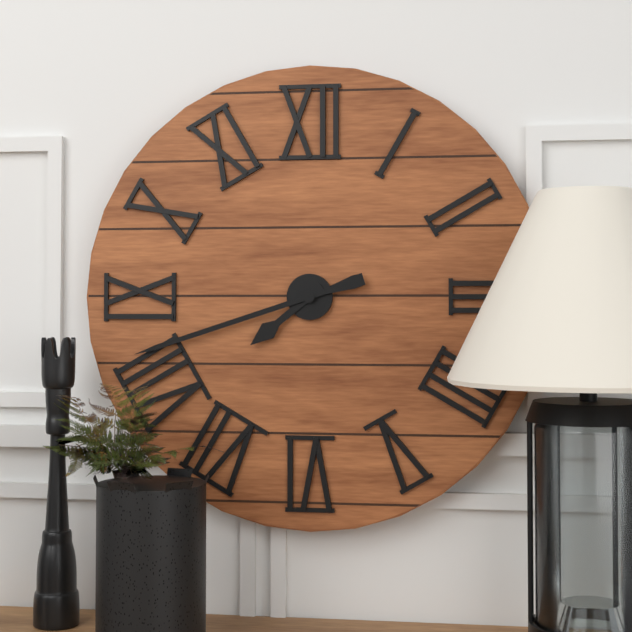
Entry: **7:42**
